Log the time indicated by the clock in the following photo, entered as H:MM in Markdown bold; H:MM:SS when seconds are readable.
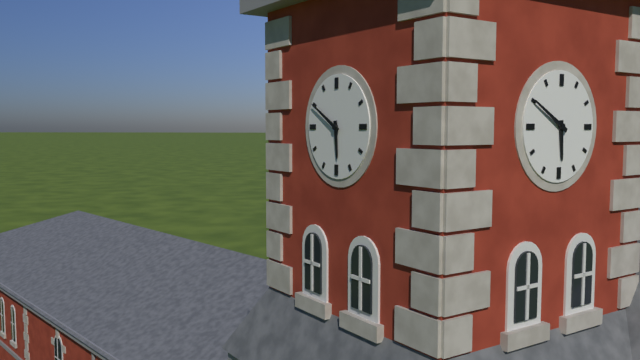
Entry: **5:50**
